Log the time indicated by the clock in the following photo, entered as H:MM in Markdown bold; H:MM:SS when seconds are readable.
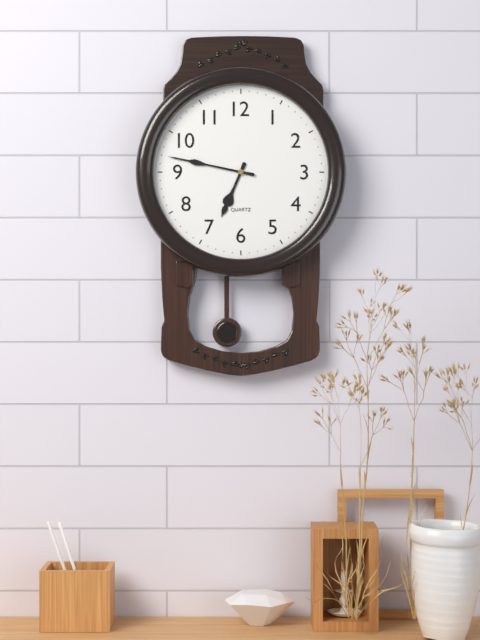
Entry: **6:47**
